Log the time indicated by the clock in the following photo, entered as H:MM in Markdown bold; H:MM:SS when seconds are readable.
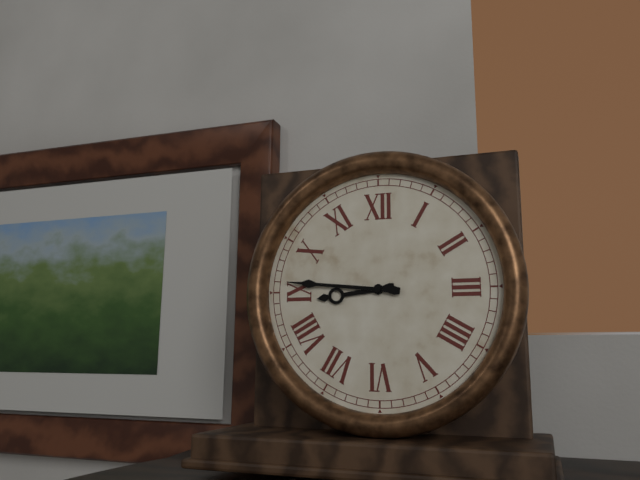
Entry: **8:46**
